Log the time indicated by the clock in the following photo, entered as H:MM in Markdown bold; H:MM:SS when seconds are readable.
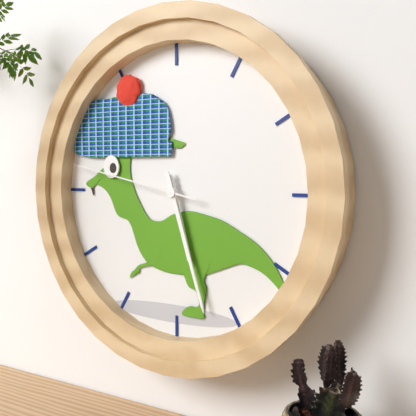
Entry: **5:27:47**
